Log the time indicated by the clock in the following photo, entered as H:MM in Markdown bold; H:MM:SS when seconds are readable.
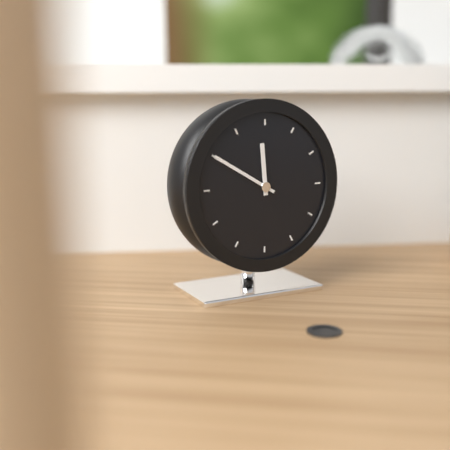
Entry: **11:50**
